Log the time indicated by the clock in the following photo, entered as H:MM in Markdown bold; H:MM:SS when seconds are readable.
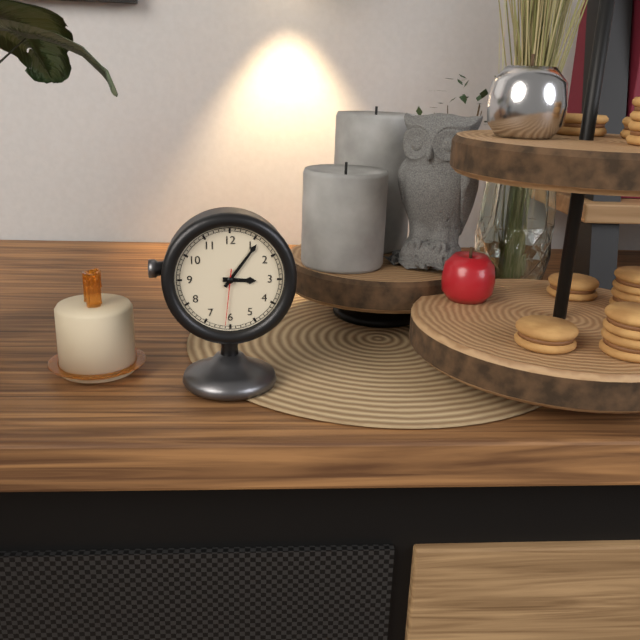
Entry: **3:06:31**
